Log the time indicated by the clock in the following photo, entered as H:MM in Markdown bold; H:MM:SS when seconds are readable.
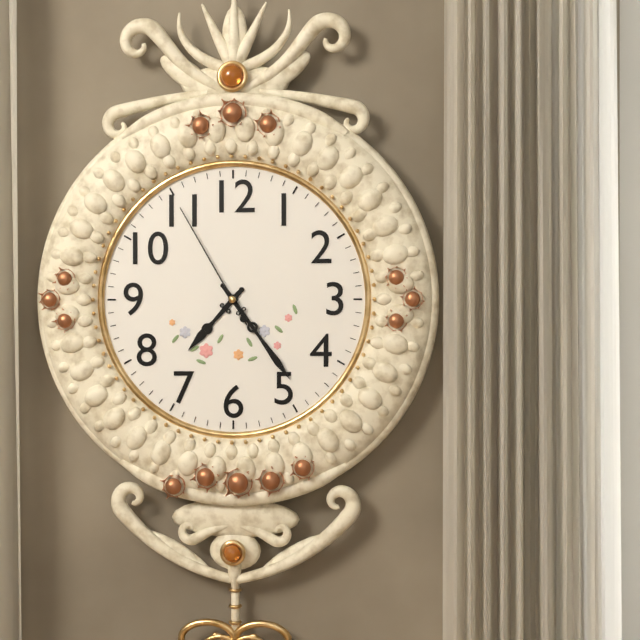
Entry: **7:24:55**
